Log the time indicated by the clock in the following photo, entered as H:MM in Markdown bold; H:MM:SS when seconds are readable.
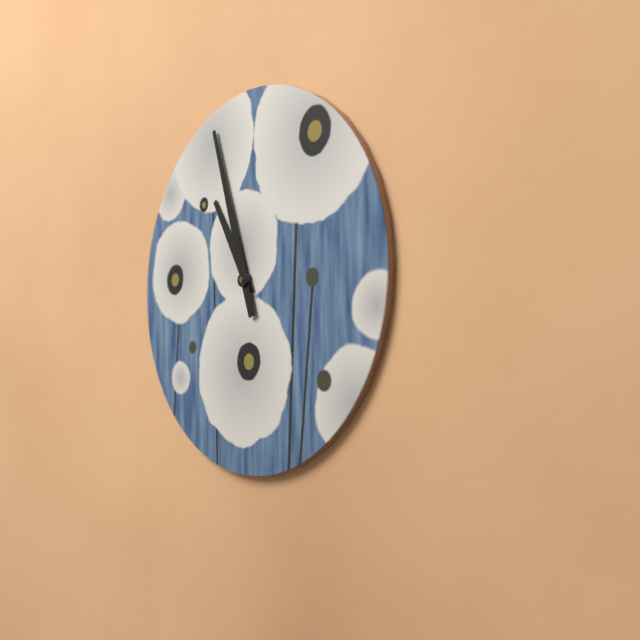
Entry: **10:57**
